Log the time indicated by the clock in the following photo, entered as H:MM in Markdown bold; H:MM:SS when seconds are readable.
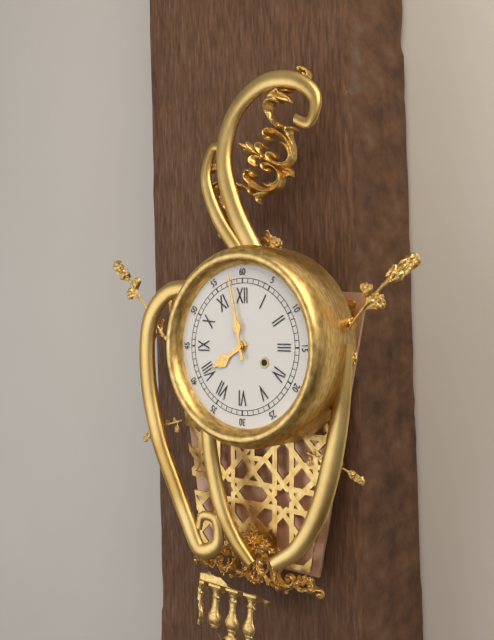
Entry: **7:58**
